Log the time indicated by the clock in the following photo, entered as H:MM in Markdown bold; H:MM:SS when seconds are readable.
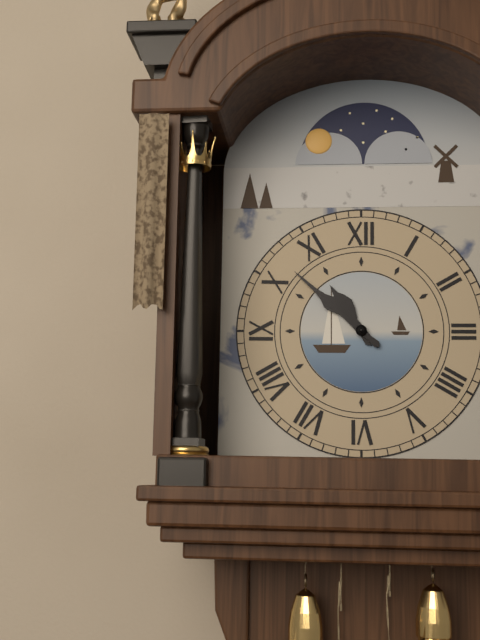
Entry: **10:52**
